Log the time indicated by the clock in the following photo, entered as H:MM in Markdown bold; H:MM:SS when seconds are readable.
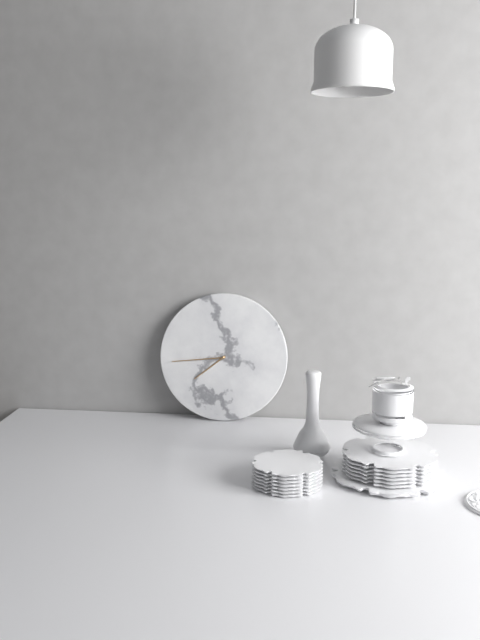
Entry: **7:44**
